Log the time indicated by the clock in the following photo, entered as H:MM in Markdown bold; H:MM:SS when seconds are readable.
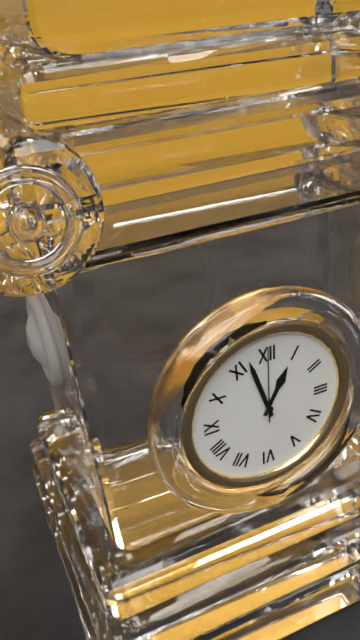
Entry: **12:57:00**
